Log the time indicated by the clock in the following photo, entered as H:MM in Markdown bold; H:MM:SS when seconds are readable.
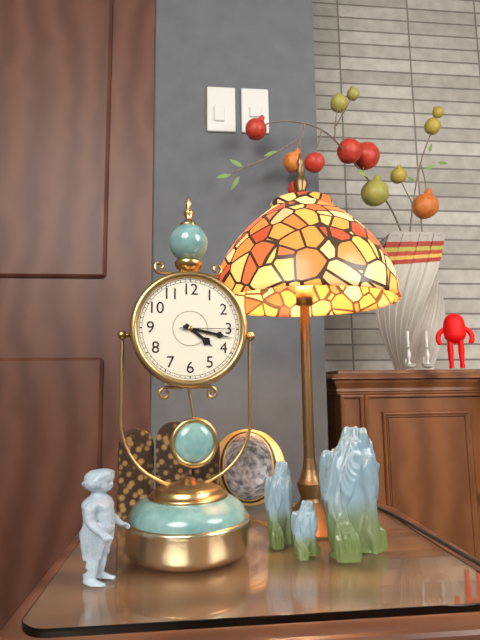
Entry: **4:17:15**
